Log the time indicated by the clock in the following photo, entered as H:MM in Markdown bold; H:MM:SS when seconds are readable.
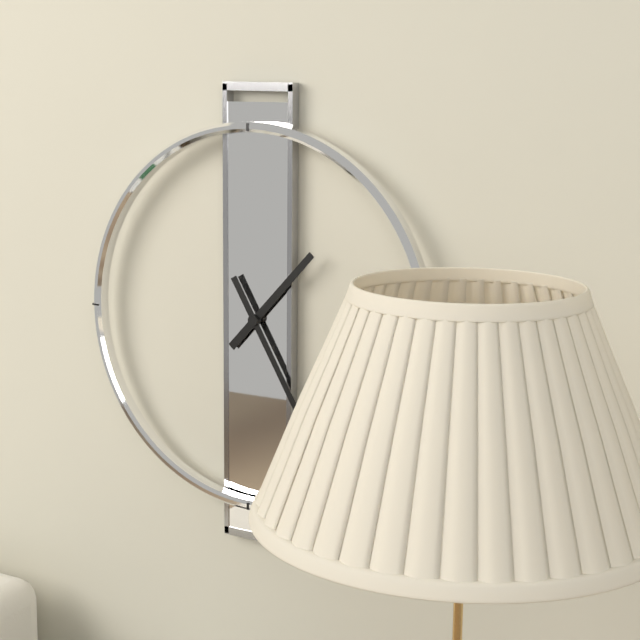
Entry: **1:25**
